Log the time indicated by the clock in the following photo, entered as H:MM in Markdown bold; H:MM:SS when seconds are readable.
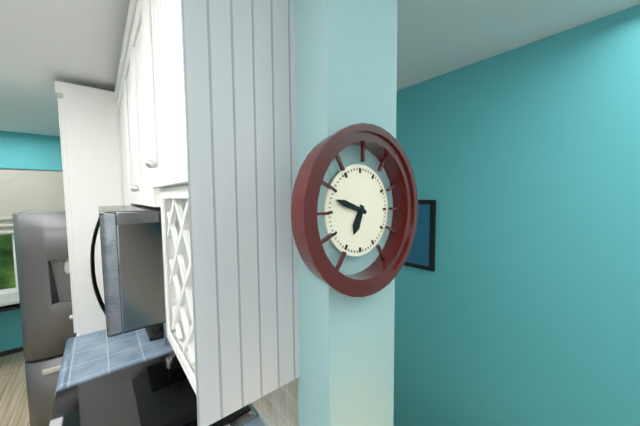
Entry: **6:48**
